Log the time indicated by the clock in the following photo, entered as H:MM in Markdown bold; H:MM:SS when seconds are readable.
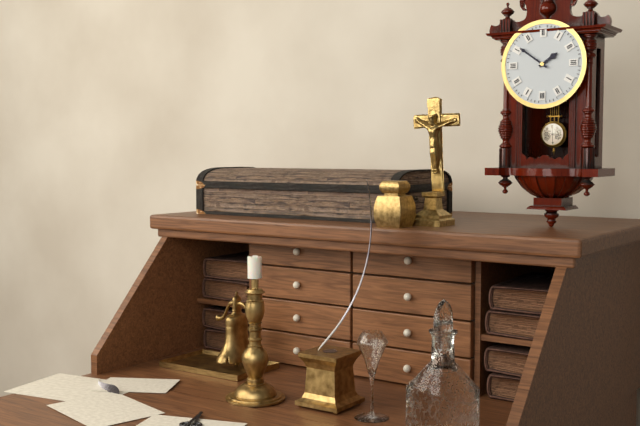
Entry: **1:51**
